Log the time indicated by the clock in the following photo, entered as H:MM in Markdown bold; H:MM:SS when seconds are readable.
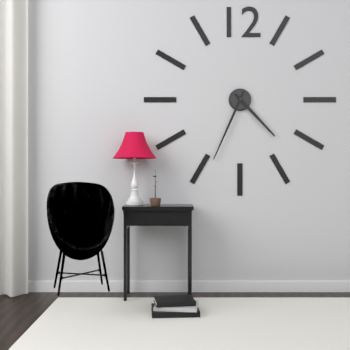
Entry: **4:34**
